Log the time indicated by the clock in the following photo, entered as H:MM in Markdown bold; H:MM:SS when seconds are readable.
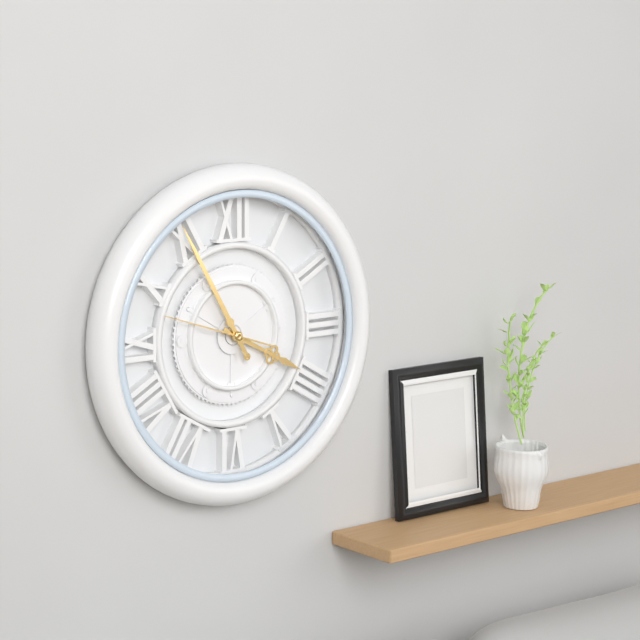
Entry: **3:55:48**
